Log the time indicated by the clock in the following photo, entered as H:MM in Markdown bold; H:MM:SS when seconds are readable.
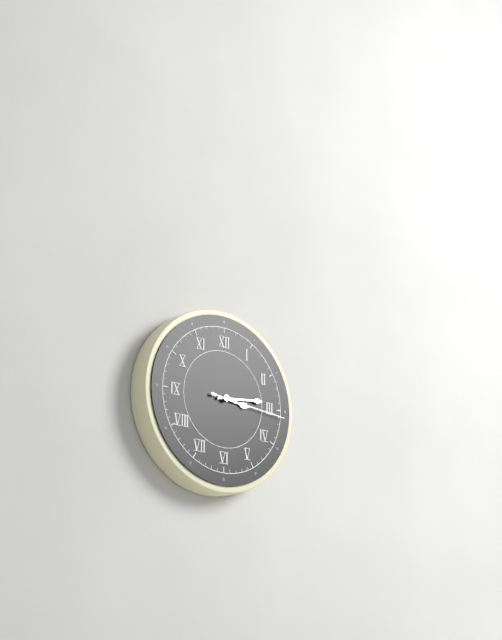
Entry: **3:14:16**
